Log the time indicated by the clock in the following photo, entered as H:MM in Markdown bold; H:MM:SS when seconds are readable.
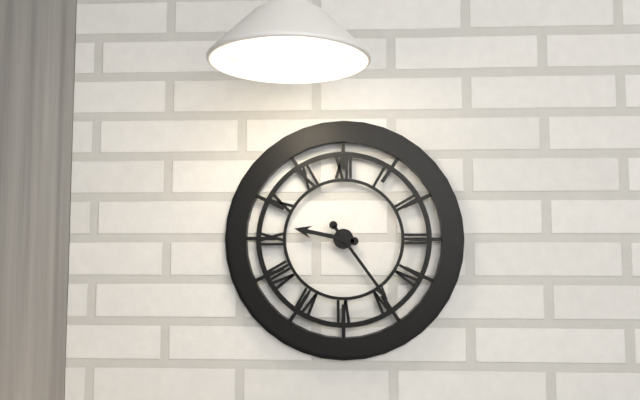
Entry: **9:24**
